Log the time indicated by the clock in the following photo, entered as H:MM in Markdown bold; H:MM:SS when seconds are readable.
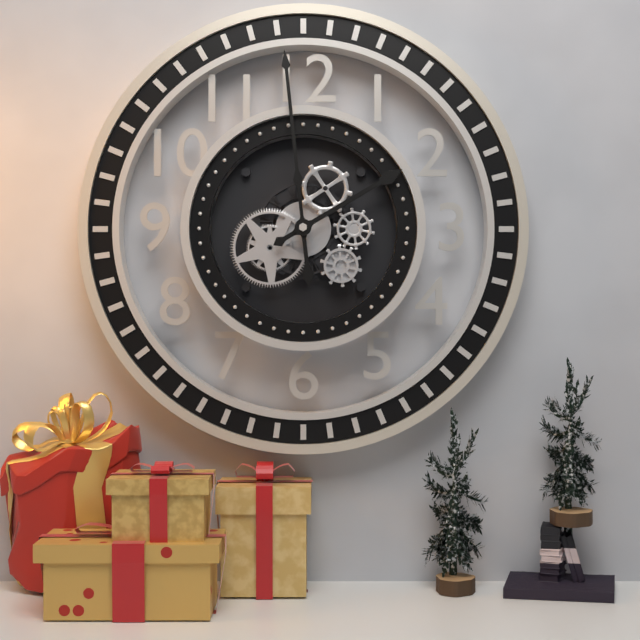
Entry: **1:59**
